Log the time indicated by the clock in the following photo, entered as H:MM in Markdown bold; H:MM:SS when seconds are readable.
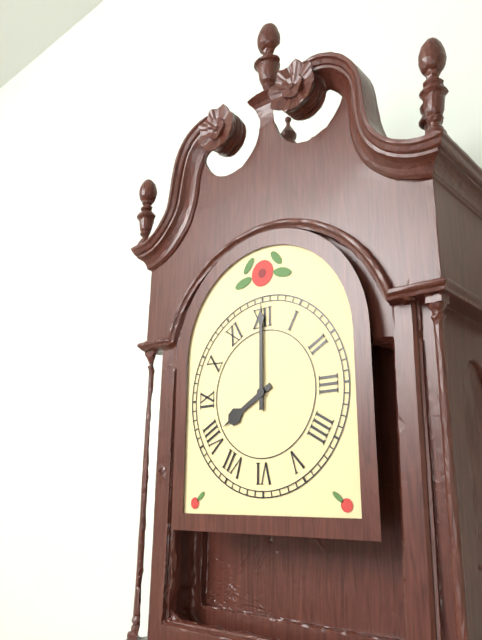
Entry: **8:00**
